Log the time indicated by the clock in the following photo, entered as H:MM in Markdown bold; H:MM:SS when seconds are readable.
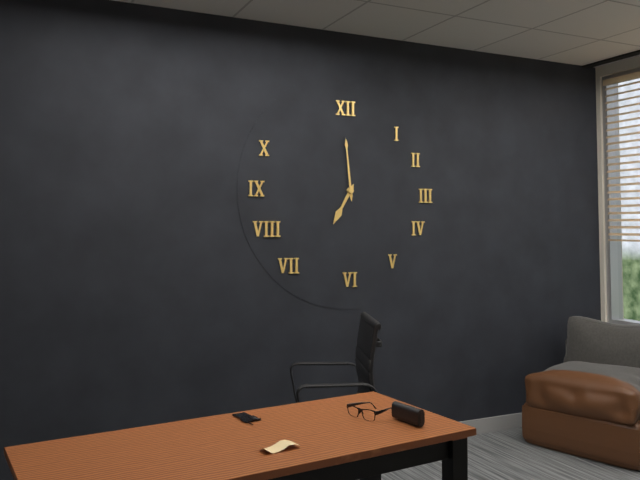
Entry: **6:59**
